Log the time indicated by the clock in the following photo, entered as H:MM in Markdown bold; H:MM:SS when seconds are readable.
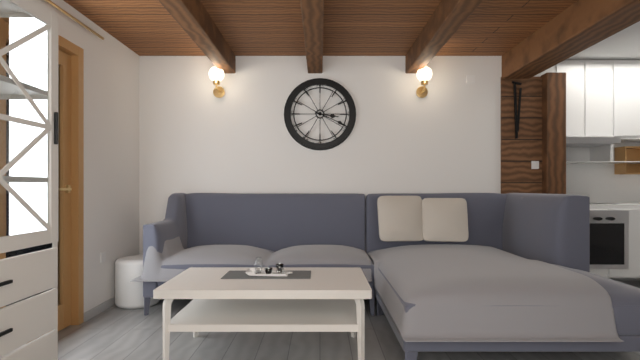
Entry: **3:19**
